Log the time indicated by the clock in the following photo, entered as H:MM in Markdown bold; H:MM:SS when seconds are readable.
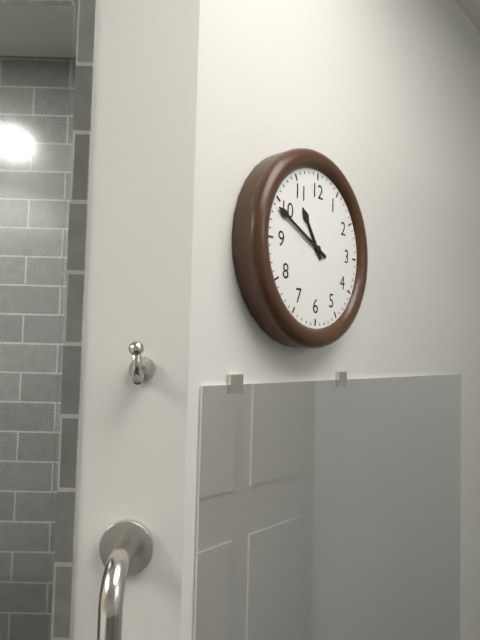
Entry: **10:49**
